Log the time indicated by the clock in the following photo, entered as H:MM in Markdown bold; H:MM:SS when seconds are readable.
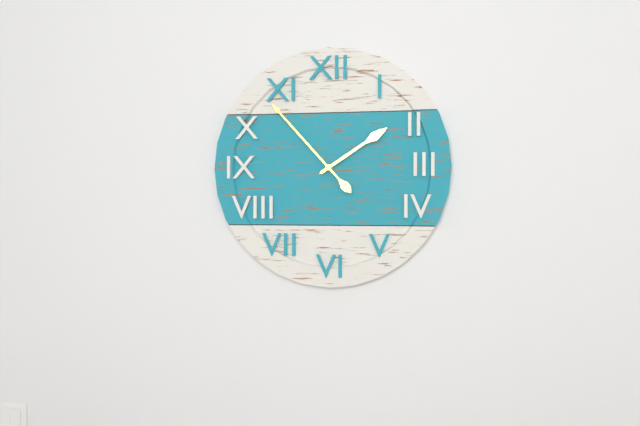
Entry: **1:53**
